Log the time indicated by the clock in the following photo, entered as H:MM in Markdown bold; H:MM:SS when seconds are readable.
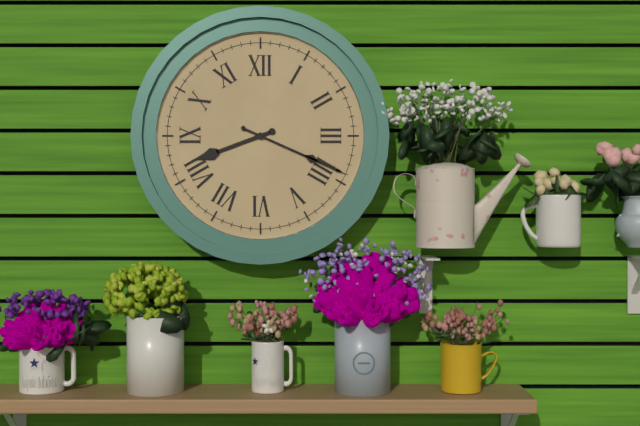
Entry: **8:19**
